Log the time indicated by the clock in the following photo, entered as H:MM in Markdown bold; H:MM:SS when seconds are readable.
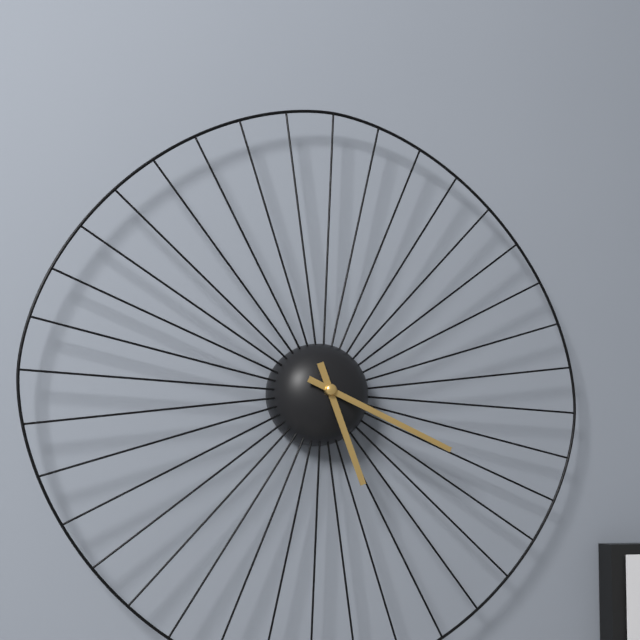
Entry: **5:19**
